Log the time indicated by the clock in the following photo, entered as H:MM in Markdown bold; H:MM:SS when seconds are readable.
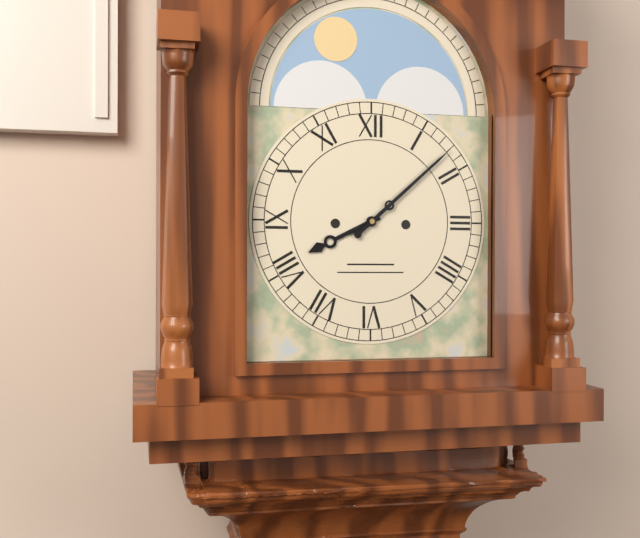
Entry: **8:08**
